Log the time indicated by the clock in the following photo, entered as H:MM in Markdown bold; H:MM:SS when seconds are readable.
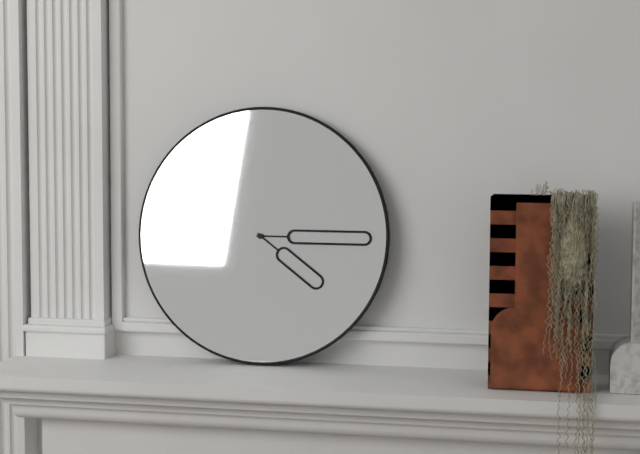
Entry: **4:15**
